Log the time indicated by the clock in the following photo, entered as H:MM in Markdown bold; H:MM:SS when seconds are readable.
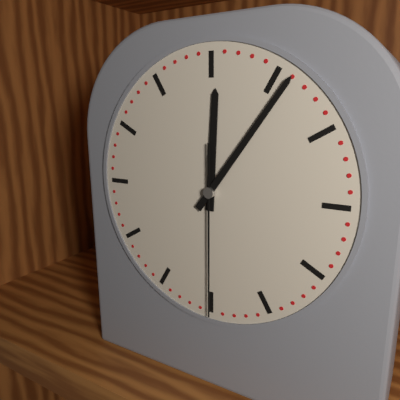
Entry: **12:06:30**
